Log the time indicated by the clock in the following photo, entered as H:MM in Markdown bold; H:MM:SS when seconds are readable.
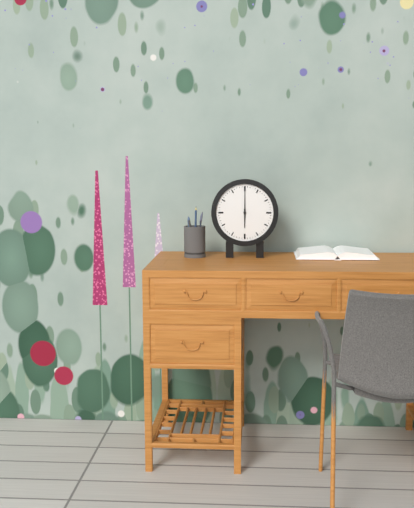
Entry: **6:00**
